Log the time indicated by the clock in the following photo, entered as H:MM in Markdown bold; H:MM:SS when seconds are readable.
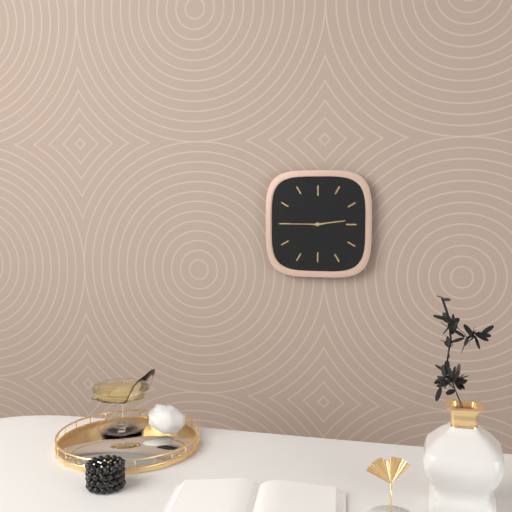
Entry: **2:45**
